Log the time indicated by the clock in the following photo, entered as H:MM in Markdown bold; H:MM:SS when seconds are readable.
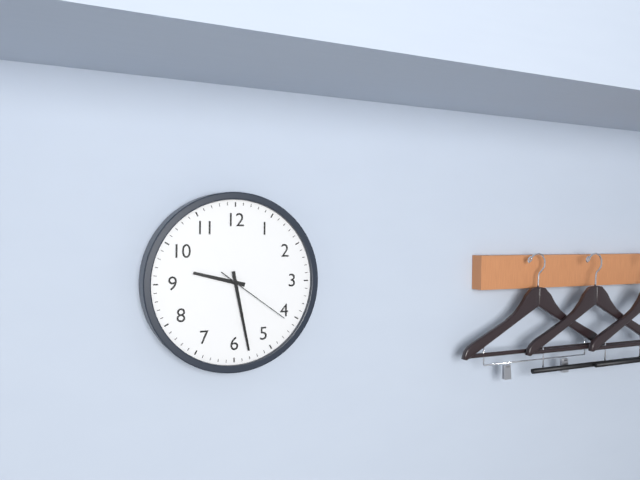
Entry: **9:28:21**
